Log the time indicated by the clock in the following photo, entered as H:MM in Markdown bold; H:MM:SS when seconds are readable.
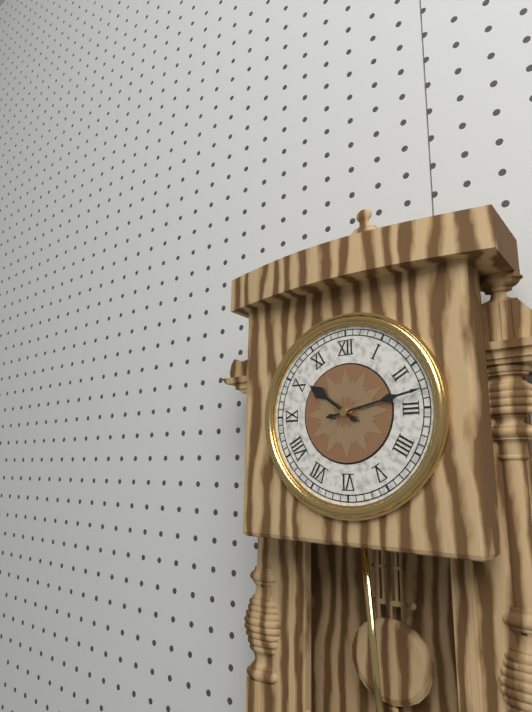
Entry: **10:13**
